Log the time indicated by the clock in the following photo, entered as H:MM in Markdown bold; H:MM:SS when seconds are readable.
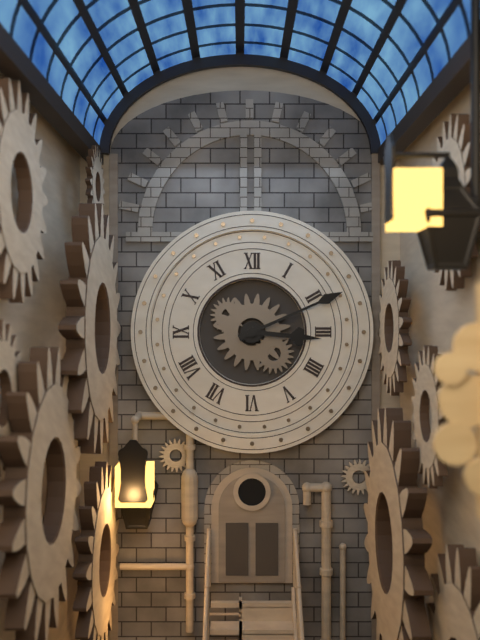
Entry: **3:11**
